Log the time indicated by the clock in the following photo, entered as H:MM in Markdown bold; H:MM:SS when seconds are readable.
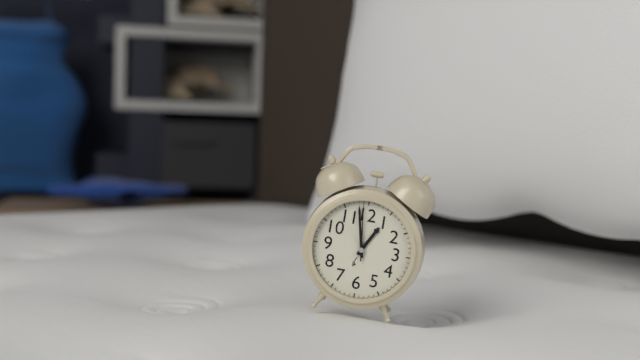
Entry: **12:58:59**
